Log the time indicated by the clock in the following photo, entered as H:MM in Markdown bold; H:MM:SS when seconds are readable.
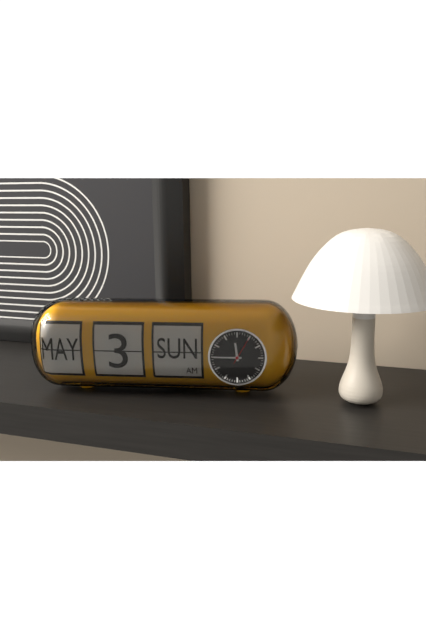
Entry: **11:45**
